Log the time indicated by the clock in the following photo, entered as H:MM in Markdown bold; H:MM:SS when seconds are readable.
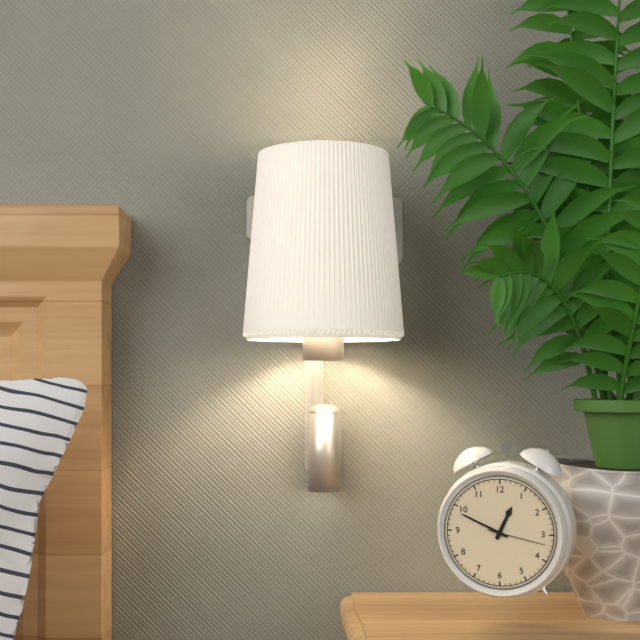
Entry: **12:49:17**
